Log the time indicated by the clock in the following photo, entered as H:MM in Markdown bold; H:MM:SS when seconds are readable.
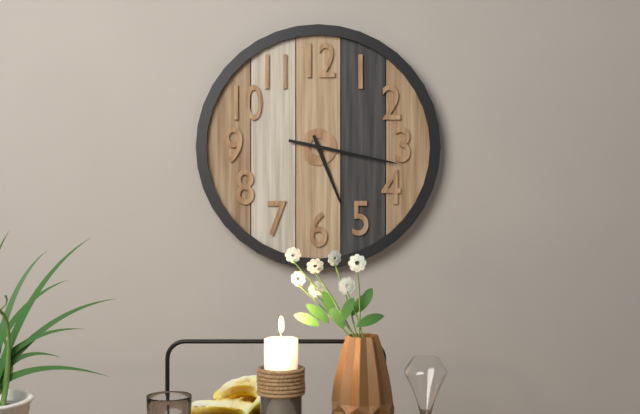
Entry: **5:17**
